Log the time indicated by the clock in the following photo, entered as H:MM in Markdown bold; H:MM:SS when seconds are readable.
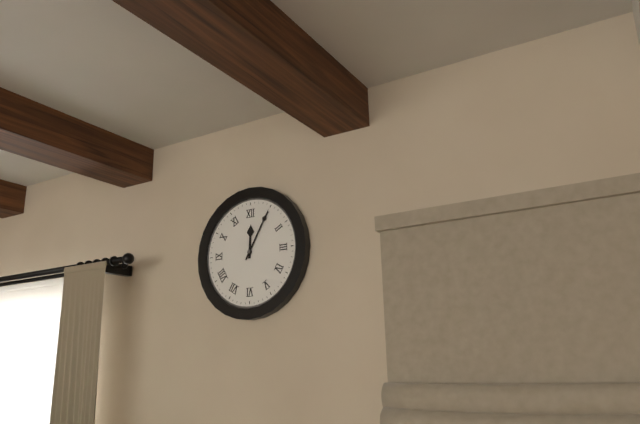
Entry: **12:05**
